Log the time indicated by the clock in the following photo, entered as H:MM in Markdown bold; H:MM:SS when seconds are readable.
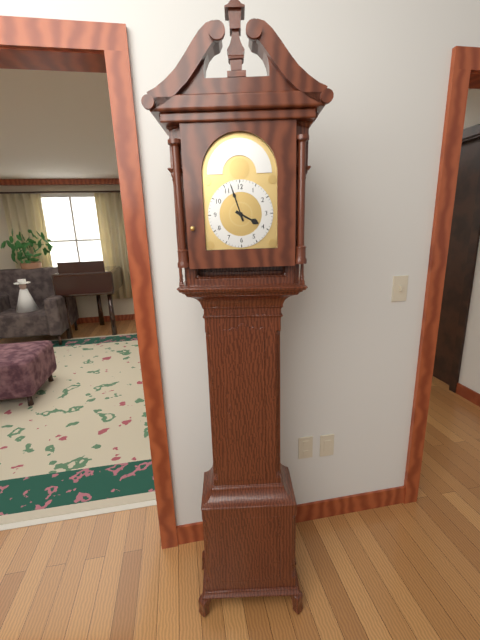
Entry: **3:57**
